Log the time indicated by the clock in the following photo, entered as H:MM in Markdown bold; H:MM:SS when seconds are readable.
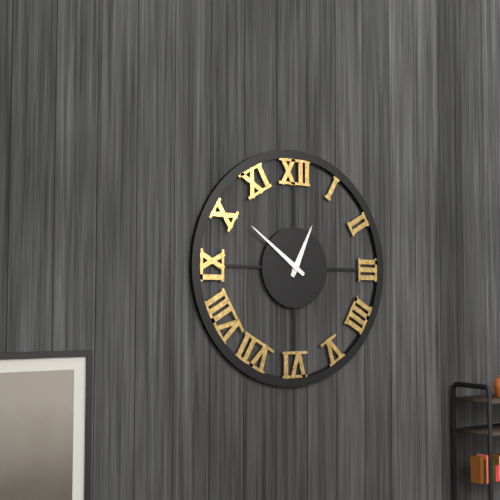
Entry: **12:51**
